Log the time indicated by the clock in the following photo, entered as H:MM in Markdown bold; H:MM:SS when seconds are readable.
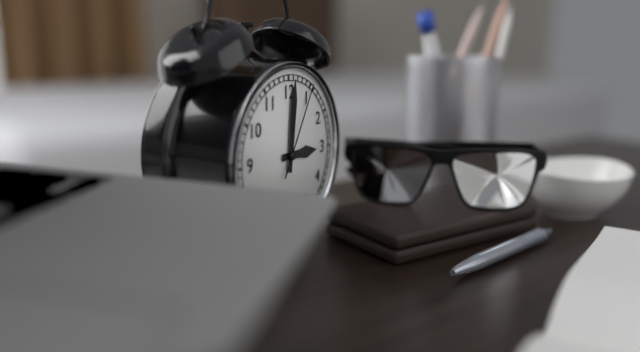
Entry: **3:01:05**
